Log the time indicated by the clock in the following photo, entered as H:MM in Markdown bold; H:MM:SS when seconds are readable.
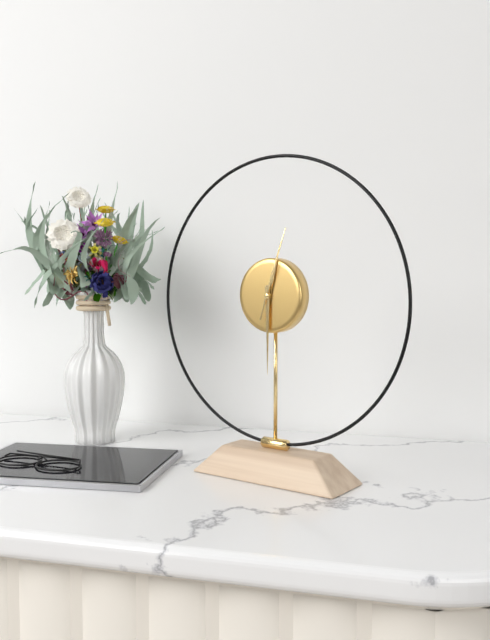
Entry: **12:30:03**
